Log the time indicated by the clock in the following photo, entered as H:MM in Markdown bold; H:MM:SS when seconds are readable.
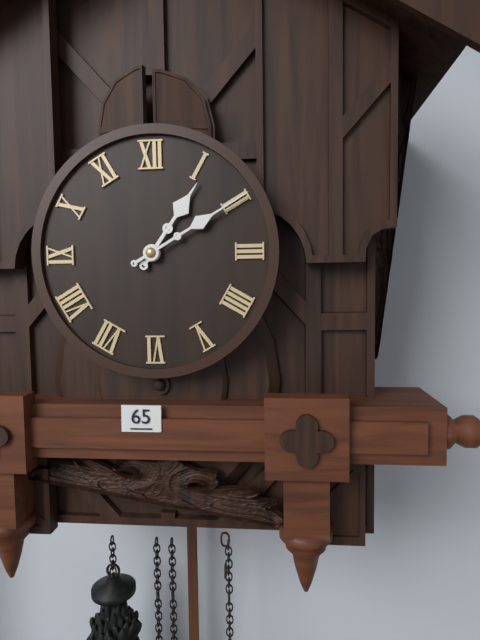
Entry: **1:10**
